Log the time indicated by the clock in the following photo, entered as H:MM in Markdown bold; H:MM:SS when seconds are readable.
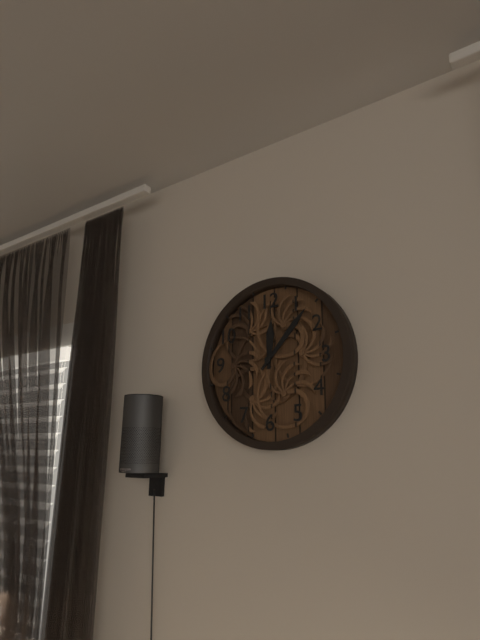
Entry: **12:07**
